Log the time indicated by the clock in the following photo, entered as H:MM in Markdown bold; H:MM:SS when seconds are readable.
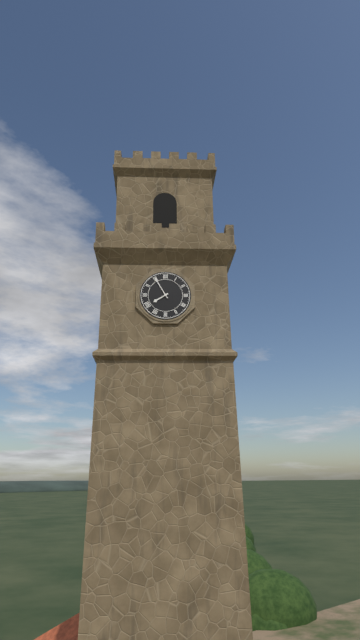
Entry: **7:55**
